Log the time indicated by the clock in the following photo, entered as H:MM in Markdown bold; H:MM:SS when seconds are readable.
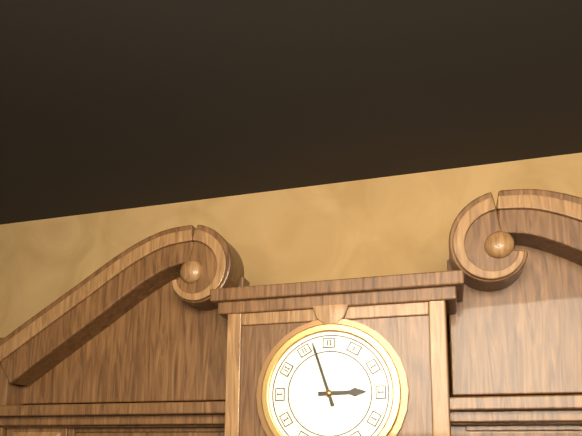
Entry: **2:57**
